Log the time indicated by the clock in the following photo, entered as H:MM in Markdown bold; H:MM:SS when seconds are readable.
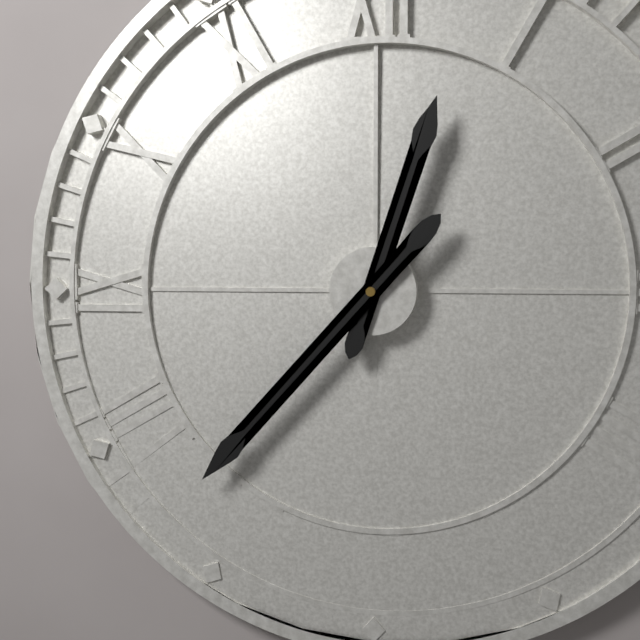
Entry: **12:37**
